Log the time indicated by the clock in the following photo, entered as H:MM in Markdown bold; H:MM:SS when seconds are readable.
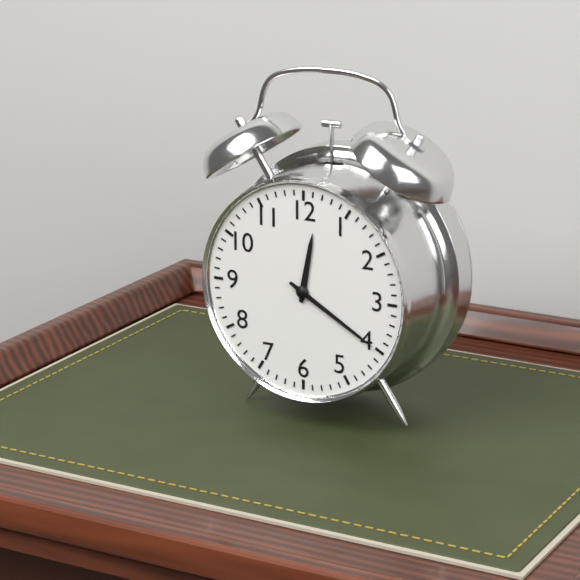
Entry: **12:20**
